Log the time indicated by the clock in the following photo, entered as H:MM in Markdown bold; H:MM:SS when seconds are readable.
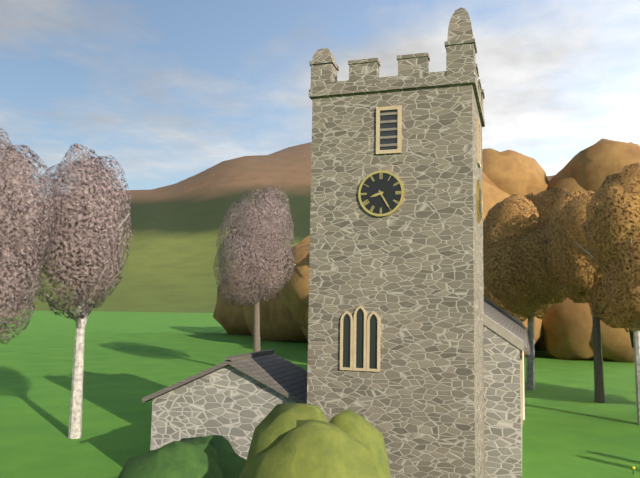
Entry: **8:25**
